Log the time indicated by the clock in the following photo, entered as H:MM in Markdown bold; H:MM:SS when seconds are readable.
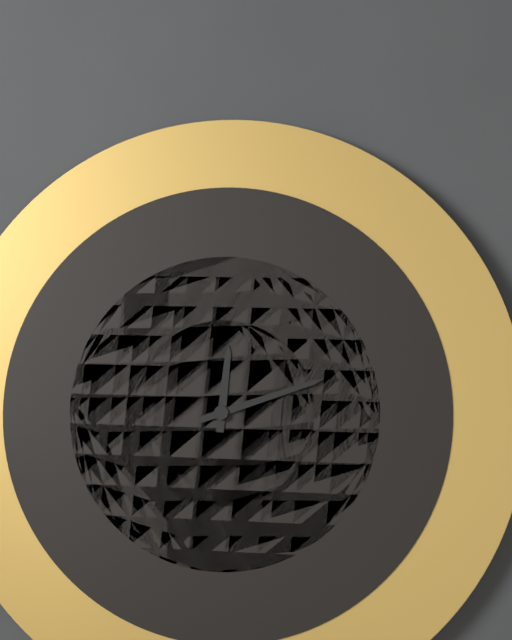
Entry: **12:12**
